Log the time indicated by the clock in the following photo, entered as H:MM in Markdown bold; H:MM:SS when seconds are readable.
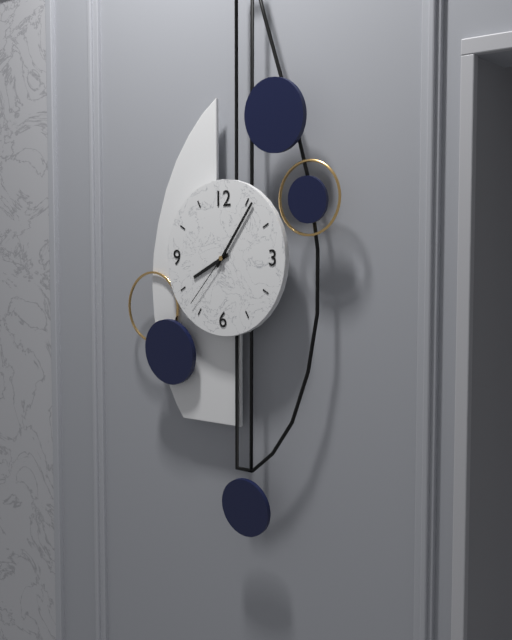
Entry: **8:06:37**
